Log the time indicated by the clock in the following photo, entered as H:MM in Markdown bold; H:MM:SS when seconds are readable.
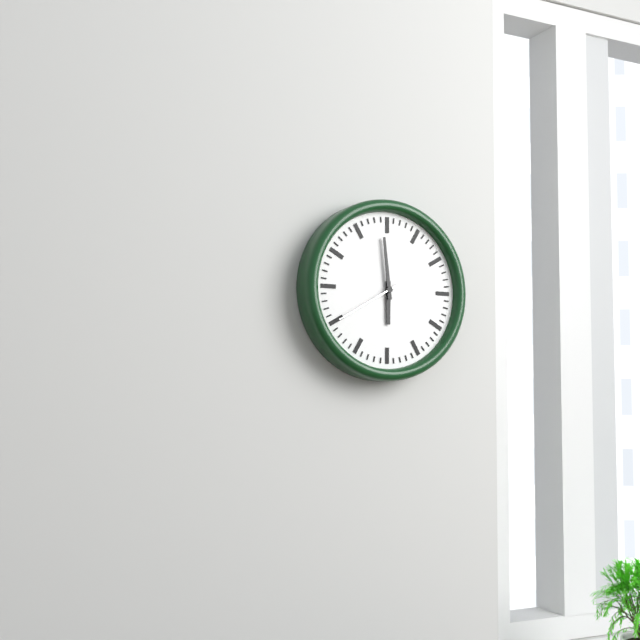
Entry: **5:59:40**
